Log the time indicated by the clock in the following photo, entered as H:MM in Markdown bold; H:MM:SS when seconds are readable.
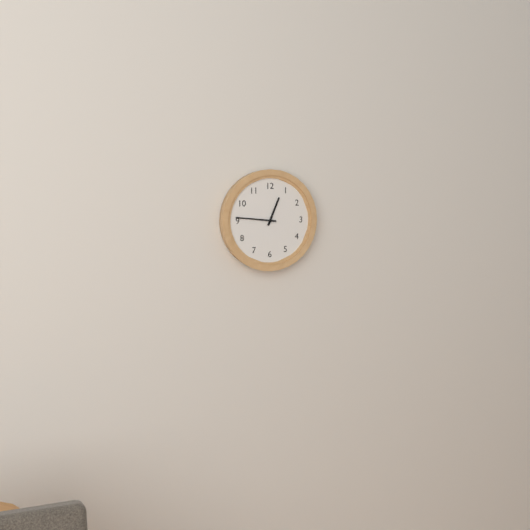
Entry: **12:46**
